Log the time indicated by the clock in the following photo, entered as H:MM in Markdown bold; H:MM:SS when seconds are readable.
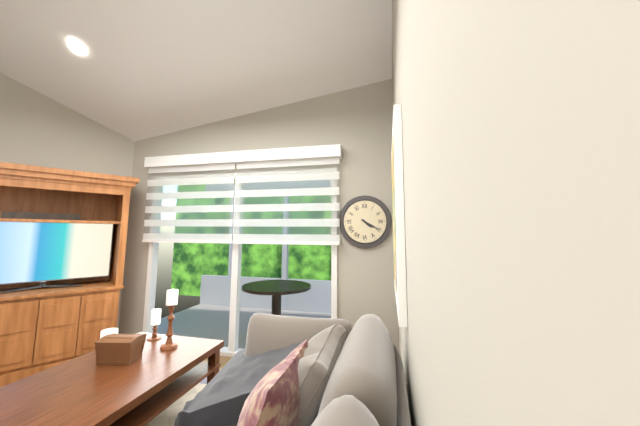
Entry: **4:20**
